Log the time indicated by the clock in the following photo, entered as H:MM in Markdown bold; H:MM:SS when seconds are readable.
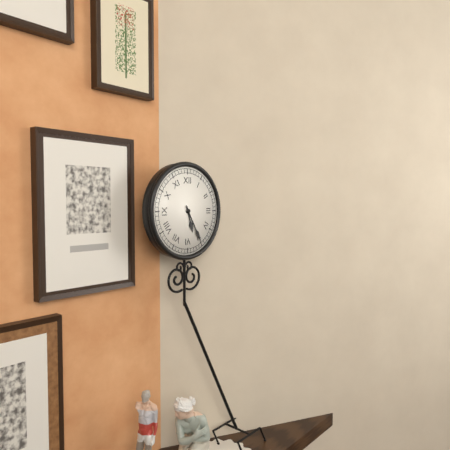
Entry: **5:25**
